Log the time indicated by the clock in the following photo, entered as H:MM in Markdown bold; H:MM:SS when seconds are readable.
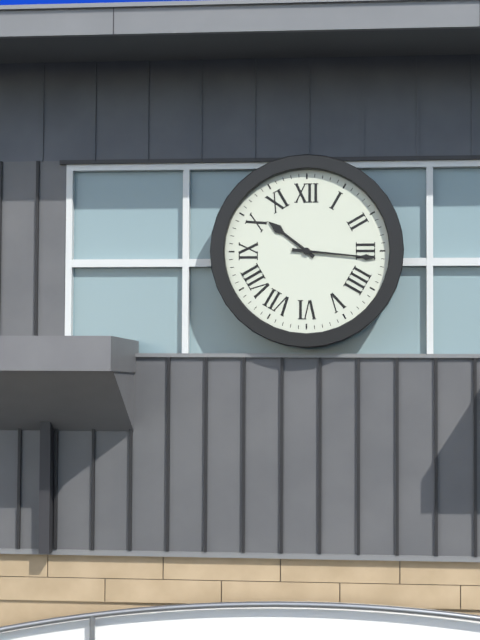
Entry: **10:16**
